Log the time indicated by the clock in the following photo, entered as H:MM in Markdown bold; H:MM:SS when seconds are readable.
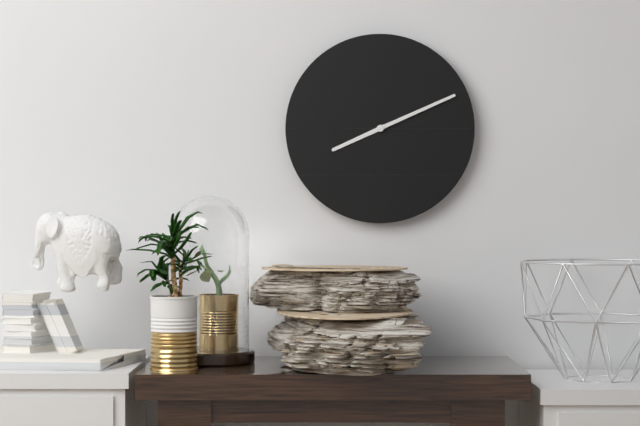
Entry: **8:11**
